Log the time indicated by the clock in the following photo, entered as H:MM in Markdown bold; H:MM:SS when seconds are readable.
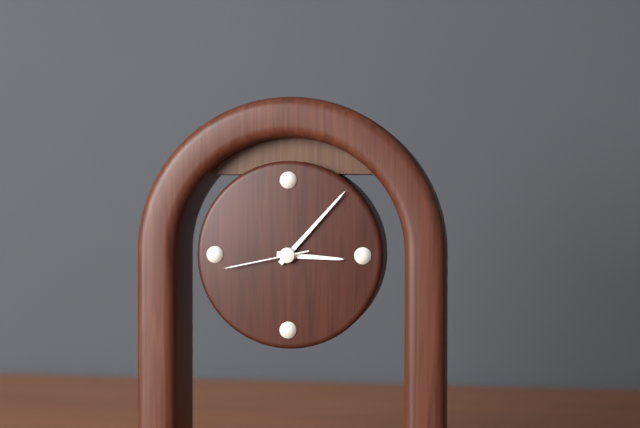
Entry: **3:07:43**
